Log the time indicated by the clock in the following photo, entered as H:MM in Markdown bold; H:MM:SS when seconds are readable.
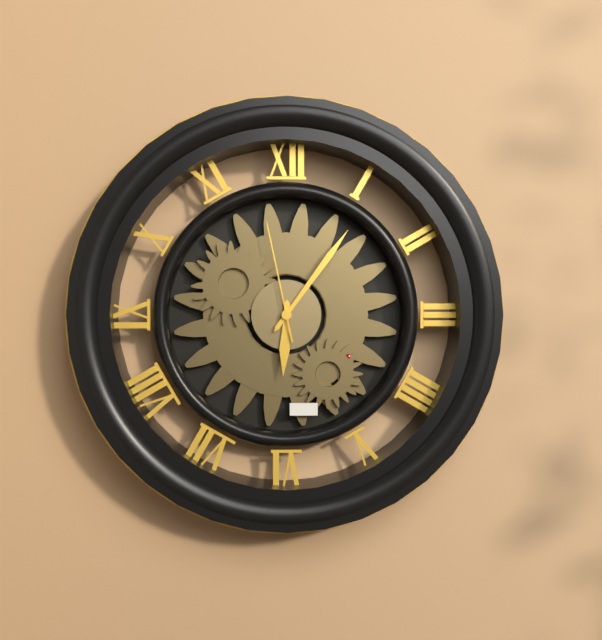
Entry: **6:06:58**
